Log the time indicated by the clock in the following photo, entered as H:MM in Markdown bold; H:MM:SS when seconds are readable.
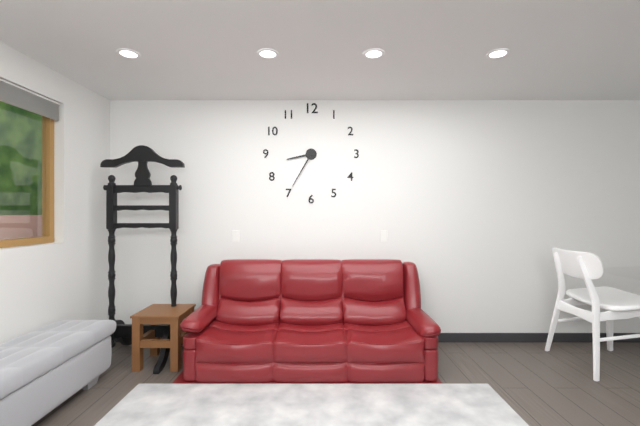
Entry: **8:35**
